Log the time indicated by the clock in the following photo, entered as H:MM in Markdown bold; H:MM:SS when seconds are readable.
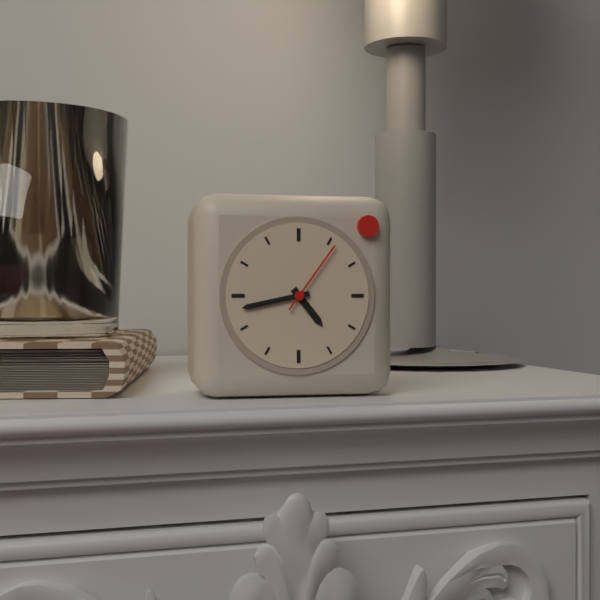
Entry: **4:43:06**
